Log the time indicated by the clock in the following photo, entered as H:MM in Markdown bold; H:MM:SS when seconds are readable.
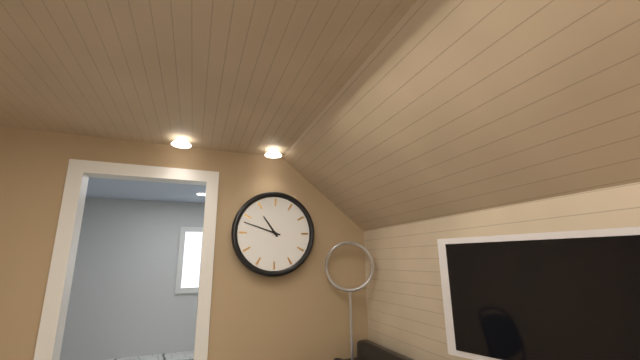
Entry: **10:48**
